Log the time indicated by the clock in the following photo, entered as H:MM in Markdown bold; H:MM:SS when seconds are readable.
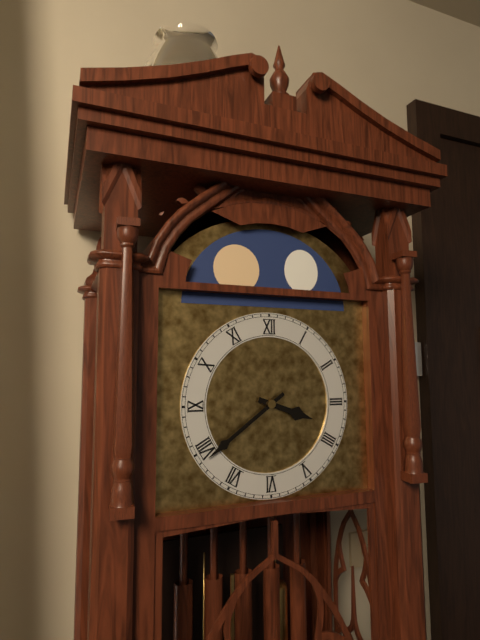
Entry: **3:39**
